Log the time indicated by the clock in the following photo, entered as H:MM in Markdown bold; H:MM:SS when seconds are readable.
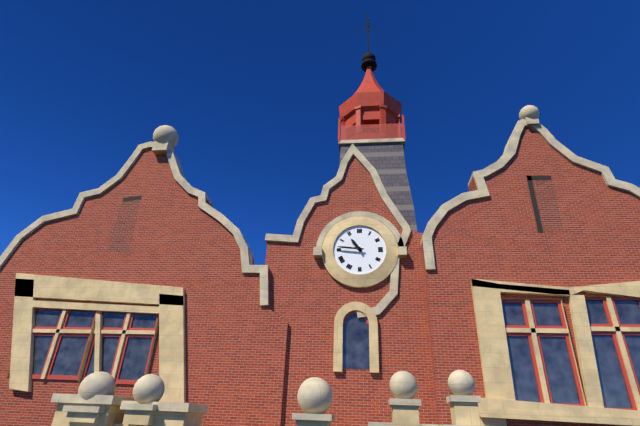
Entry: **10:46**
